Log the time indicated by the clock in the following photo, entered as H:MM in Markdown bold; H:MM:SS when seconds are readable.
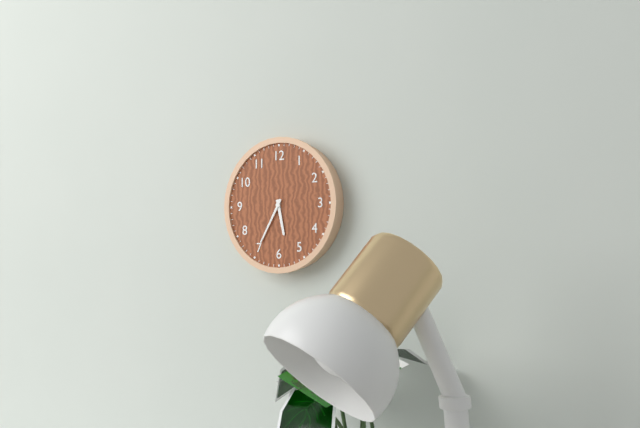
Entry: **5:35**
